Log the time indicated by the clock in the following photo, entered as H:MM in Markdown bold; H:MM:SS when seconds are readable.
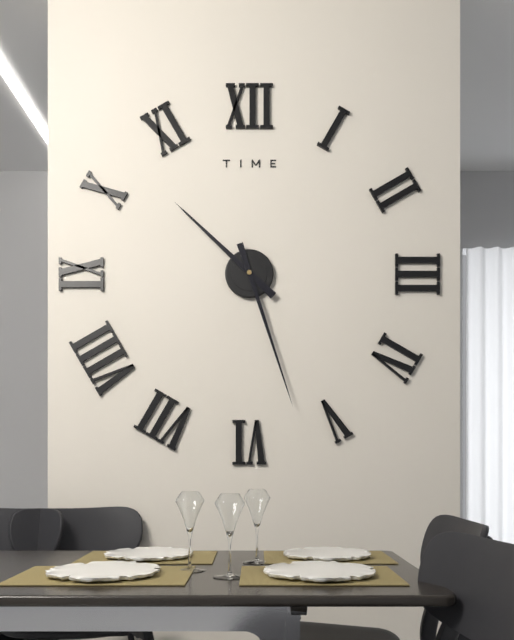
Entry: **10:27**
